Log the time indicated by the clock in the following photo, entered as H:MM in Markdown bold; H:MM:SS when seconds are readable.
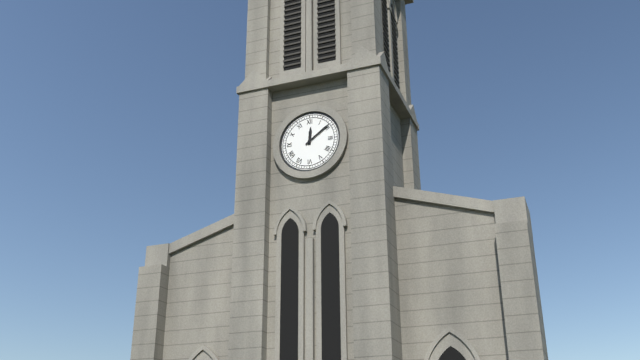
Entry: **12:09**
